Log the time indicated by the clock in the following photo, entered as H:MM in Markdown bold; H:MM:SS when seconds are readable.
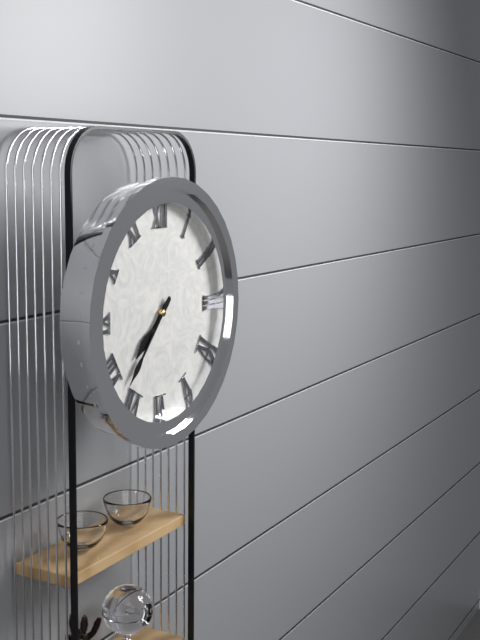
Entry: **7:37**
